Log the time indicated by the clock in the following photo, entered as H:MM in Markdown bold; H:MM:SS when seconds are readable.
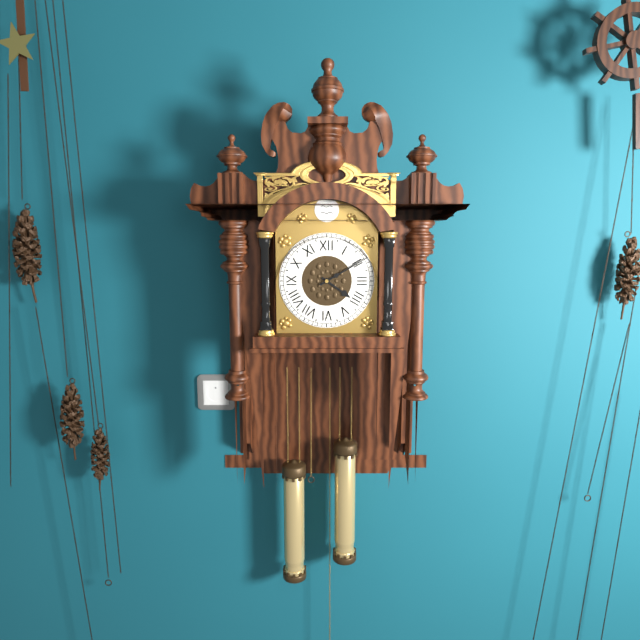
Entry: **4:10**
